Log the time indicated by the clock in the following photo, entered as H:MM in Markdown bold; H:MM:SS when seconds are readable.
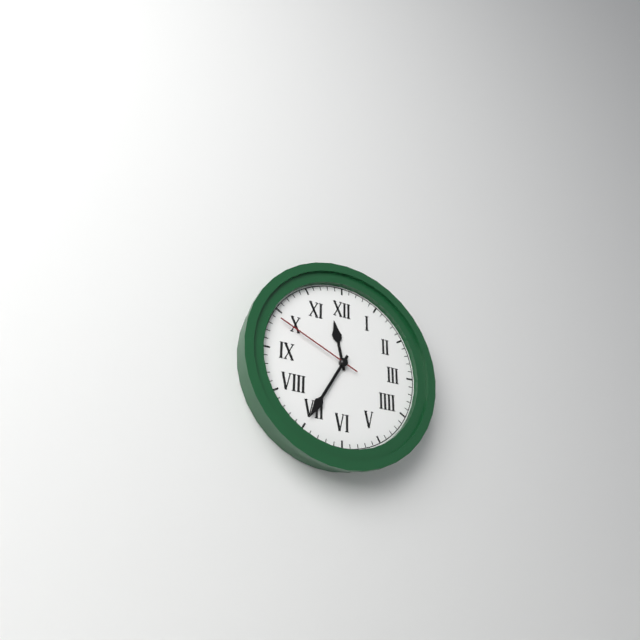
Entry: **11:35:49**
